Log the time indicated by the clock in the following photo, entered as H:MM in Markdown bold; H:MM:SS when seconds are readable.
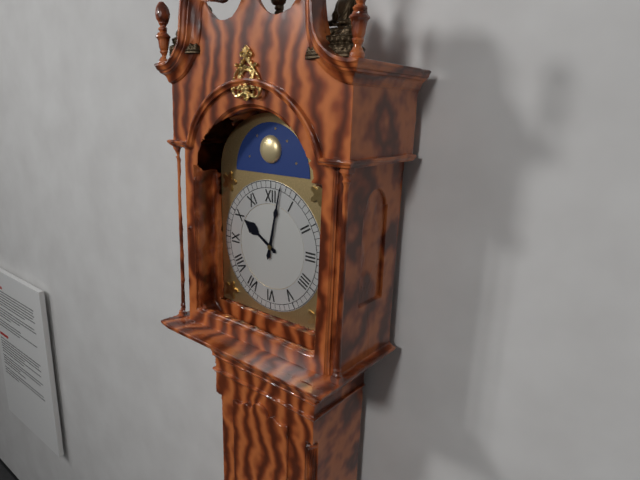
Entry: **10:02**
